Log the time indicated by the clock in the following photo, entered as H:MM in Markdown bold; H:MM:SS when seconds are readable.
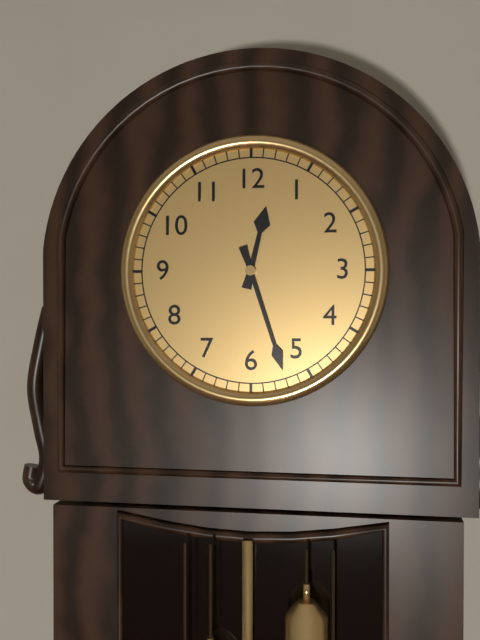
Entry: **12:27**
